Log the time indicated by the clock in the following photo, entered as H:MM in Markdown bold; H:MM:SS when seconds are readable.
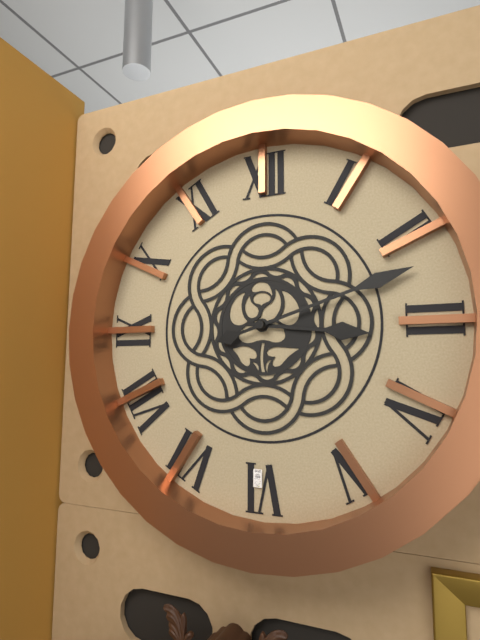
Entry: **3:12**
